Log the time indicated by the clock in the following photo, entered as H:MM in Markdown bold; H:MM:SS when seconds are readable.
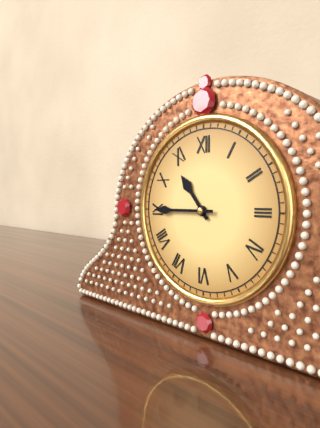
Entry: **10:45**
